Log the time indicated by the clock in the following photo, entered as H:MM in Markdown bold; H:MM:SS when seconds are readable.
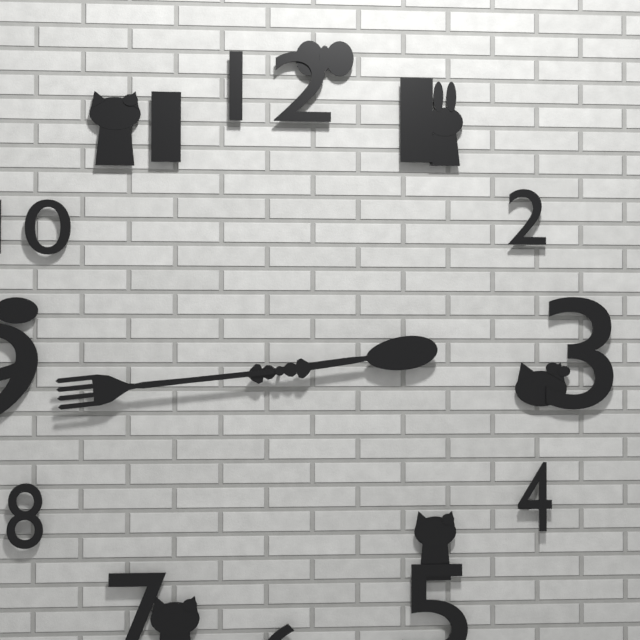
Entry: **2:44**
